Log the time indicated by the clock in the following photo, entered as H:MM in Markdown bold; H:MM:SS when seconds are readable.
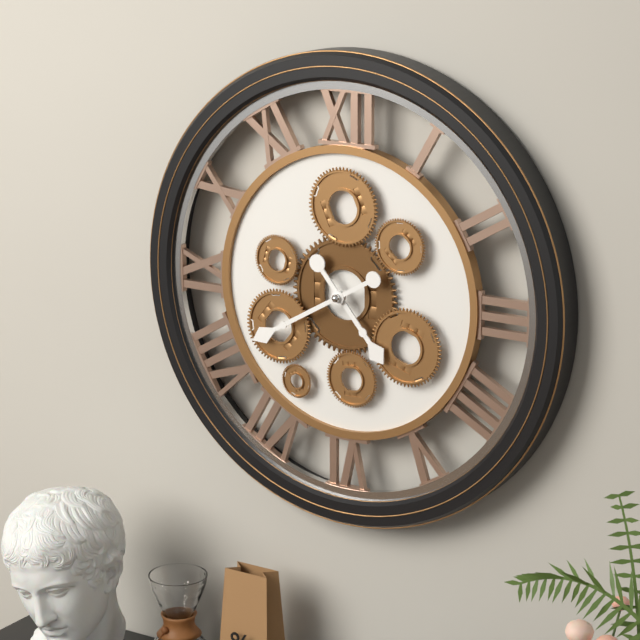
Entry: **4:40**
